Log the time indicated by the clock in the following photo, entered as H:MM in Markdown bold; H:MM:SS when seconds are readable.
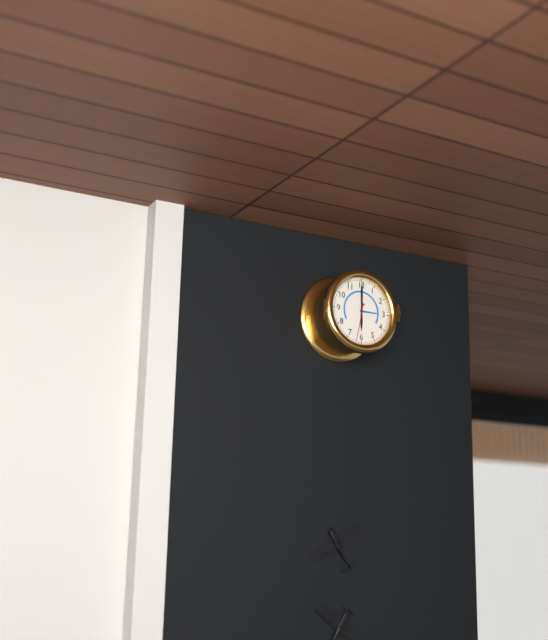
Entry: **6:00**
